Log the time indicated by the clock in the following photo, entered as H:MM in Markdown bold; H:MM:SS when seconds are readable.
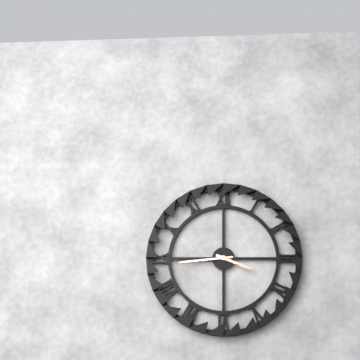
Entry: **3:44**
